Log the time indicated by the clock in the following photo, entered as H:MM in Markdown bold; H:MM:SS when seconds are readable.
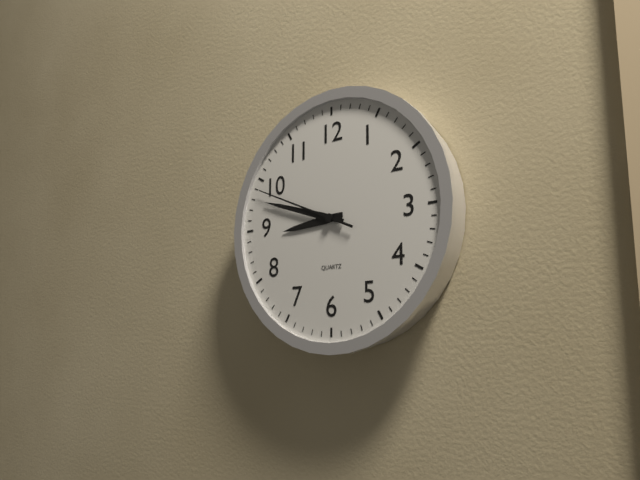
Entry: **8:48:49**
